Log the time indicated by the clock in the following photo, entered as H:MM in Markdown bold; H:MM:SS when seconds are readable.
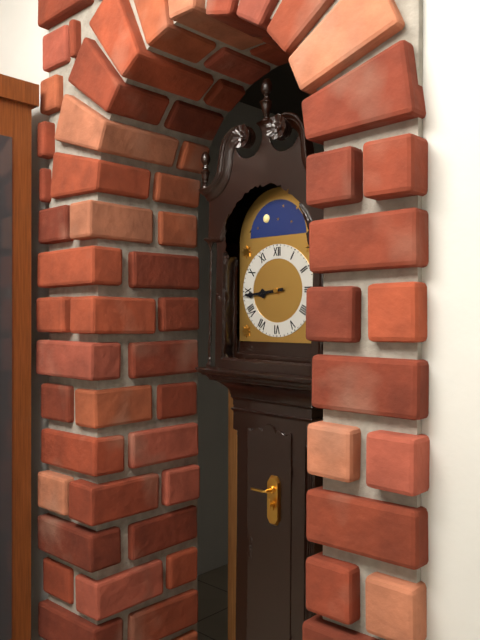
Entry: **8:44**
